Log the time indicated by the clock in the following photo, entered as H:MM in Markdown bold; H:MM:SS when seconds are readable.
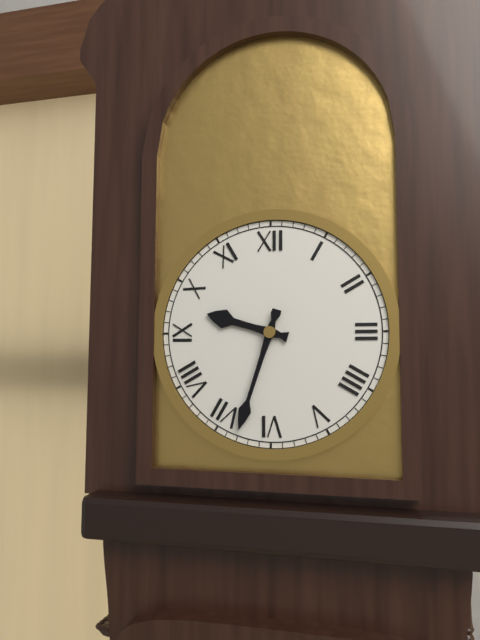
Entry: **9:33**
